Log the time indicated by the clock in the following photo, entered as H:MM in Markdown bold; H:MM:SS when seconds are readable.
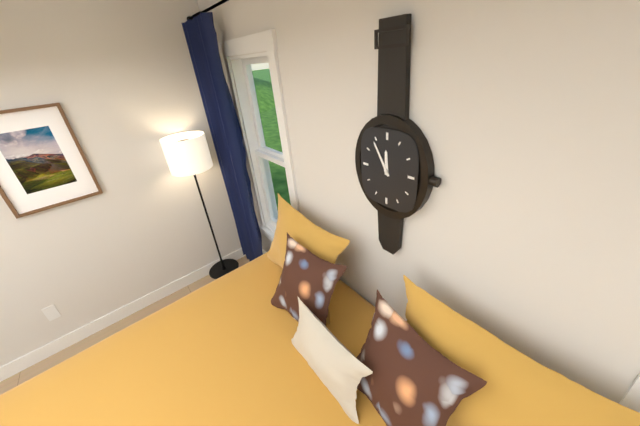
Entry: **11:55**
